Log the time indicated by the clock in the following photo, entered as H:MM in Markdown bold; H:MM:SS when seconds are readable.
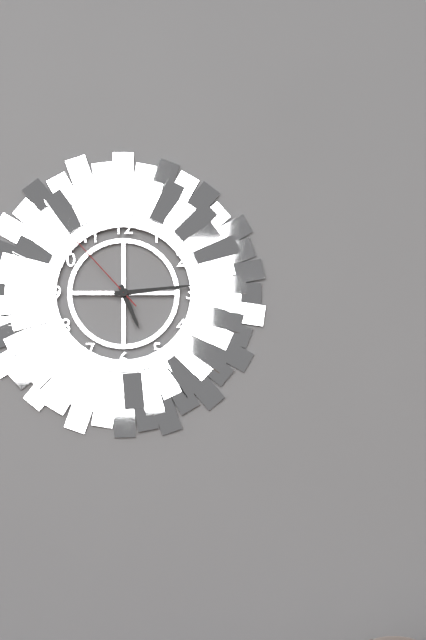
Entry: **5:14:53**
